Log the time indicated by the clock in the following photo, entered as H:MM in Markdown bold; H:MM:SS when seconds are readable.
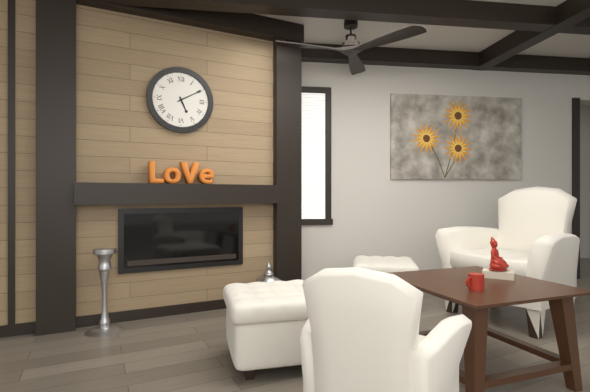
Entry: **5:10**
